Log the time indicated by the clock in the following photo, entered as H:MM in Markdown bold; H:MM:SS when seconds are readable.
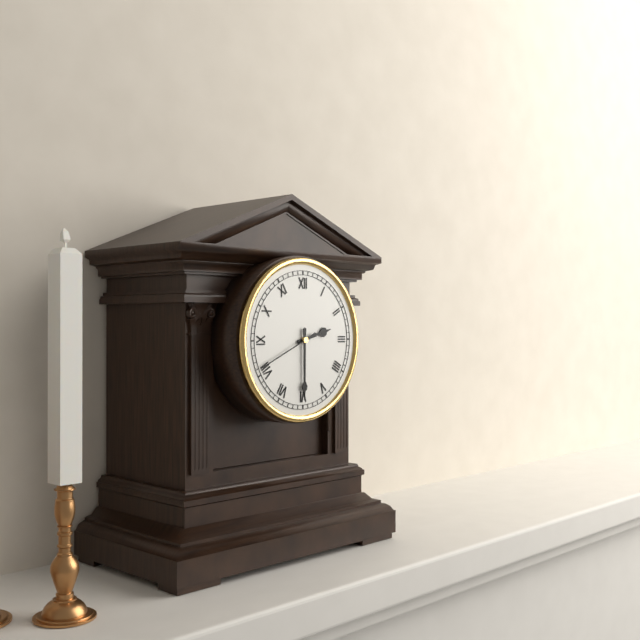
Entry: **2:30:41**
